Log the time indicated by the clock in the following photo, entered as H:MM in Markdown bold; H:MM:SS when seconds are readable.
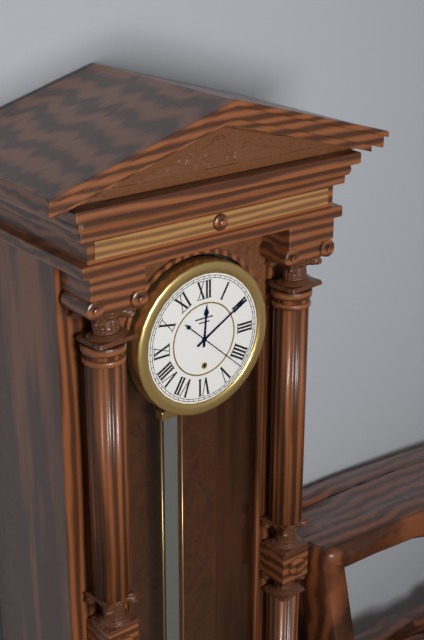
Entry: **12:10:22**
